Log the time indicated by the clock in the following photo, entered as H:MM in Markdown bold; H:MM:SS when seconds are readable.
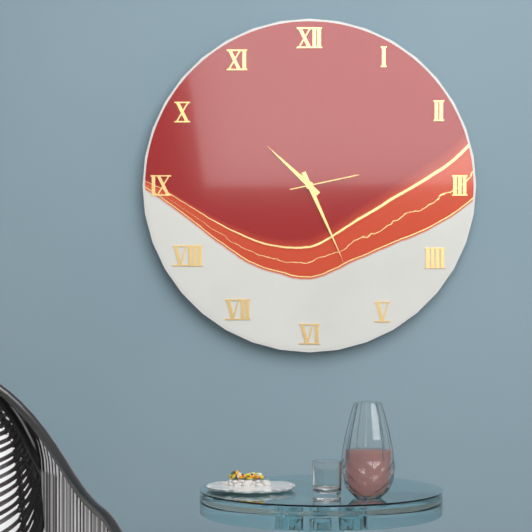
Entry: **10:26:13**
